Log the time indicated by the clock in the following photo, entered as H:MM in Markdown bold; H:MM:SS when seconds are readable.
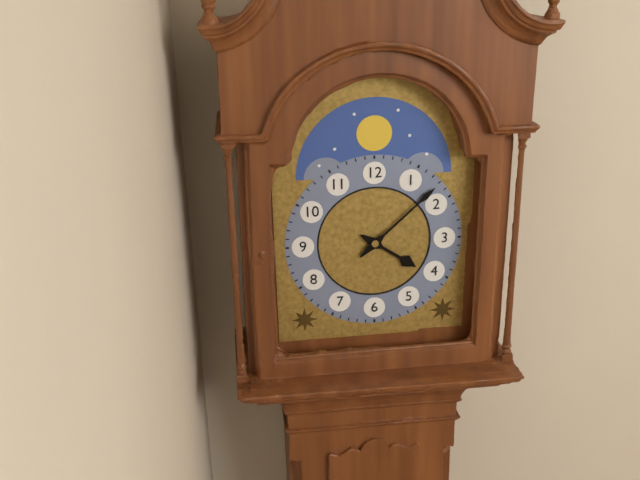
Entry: **4:08**
